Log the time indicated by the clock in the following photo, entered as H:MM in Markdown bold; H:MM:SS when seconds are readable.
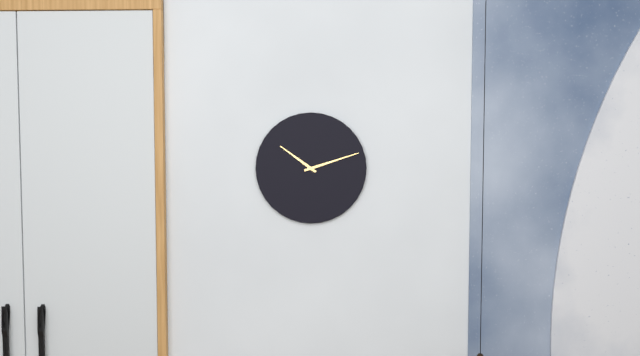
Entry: **10:12**
